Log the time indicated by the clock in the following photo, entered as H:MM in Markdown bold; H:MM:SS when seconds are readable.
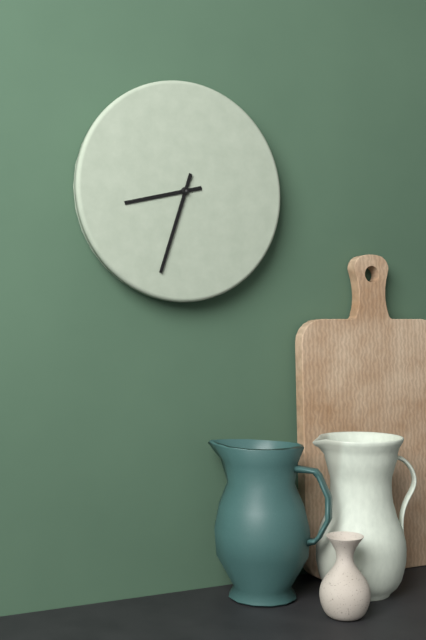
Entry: **8:33**
